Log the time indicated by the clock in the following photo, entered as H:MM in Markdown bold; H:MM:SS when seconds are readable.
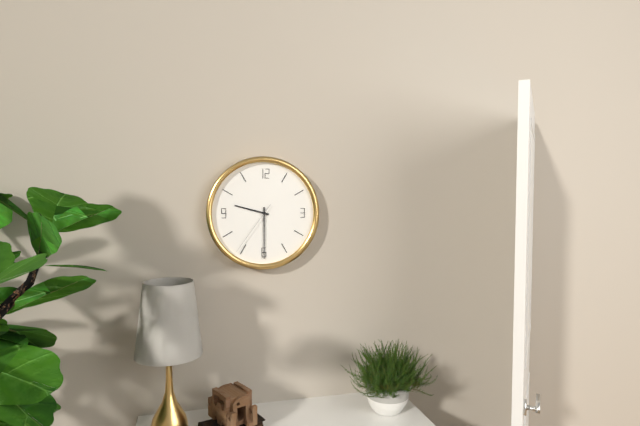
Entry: **9:30:36**
